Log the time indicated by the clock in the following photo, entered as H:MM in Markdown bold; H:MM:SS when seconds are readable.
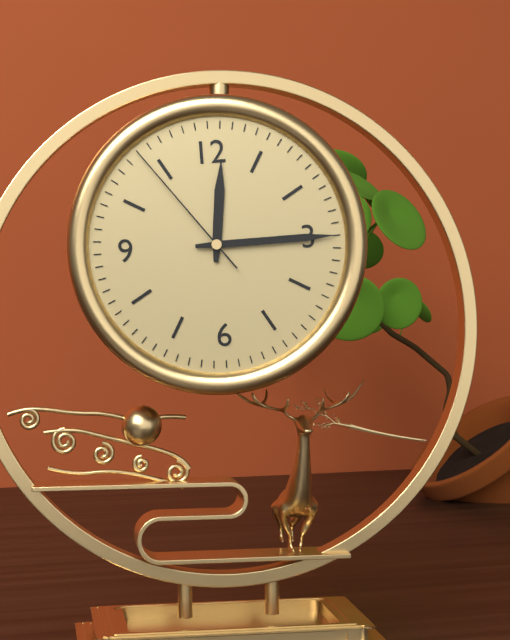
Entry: **12:15:54**
